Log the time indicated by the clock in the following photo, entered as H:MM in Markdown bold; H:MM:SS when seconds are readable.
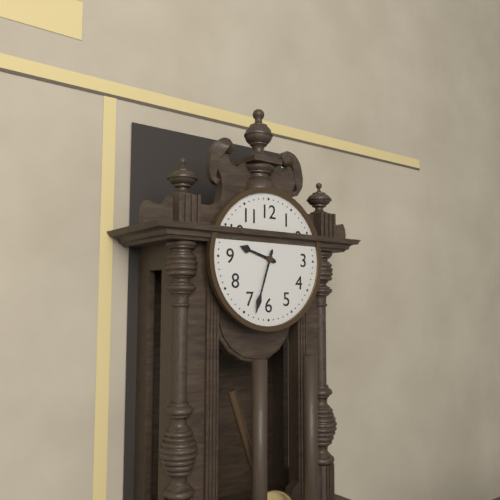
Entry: **9:33**
